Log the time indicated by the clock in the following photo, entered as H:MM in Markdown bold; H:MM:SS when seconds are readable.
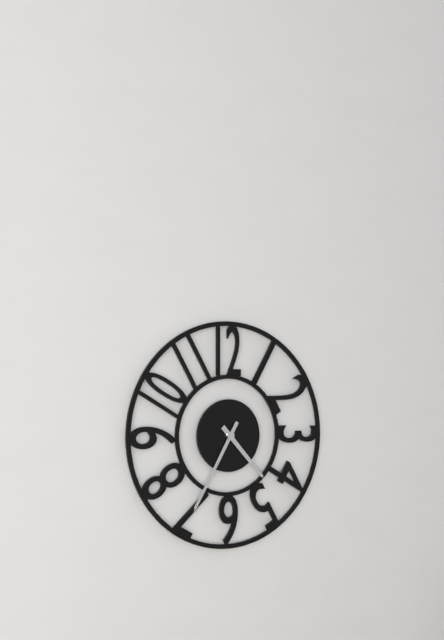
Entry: **4:35**
